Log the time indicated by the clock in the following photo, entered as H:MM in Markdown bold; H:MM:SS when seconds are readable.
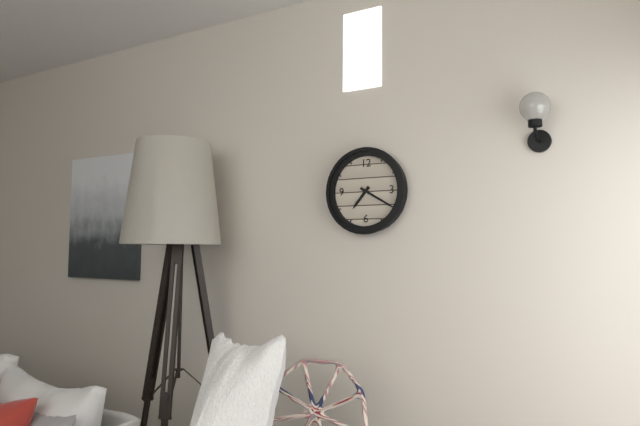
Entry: **7:20**
